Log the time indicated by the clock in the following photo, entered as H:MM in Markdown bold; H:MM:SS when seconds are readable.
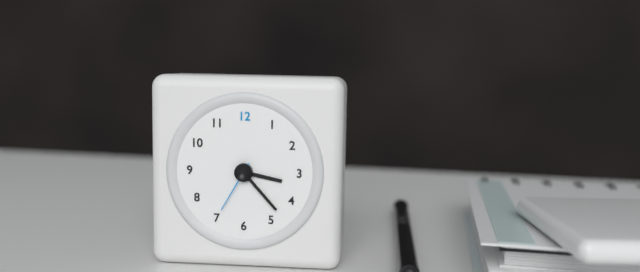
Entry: **3:23:35**
